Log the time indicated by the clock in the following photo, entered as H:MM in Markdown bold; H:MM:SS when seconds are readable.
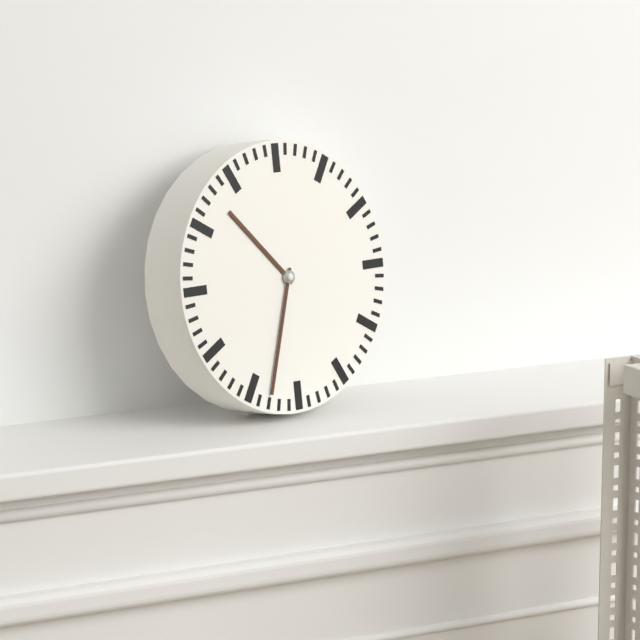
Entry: **10:33**
